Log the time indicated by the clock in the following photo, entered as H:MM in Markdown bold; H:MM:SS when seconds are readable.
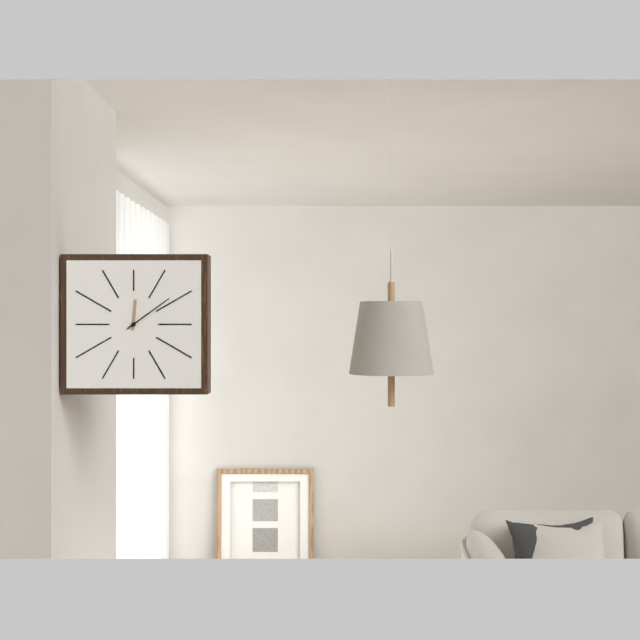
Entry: **12:09**
